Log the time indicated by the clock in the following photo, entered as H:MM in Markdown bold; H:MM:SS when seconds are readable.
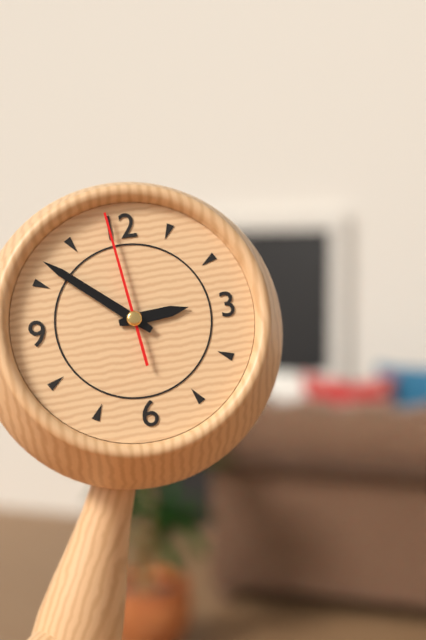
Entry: **2:52:59**
